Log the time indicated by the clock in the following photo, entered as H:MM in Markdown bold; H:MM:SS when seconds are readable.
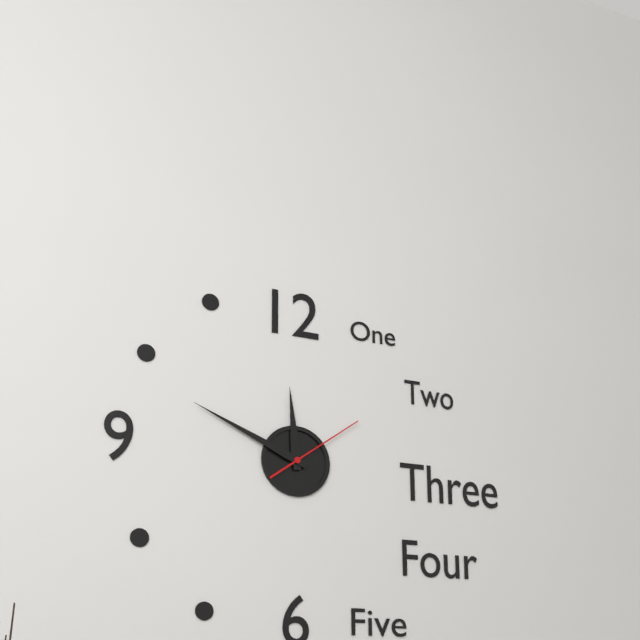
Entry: **11:49:09**
